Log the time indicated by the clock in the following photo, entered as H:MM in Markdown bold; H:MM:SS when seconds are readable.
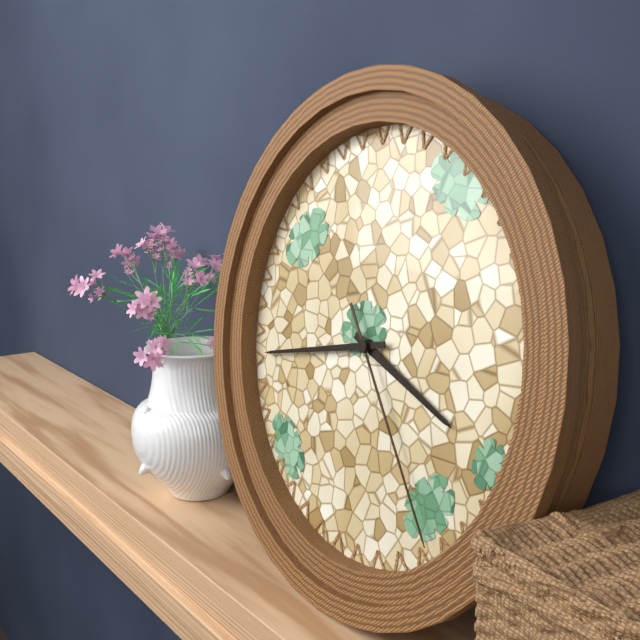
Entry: **3:43:24**
